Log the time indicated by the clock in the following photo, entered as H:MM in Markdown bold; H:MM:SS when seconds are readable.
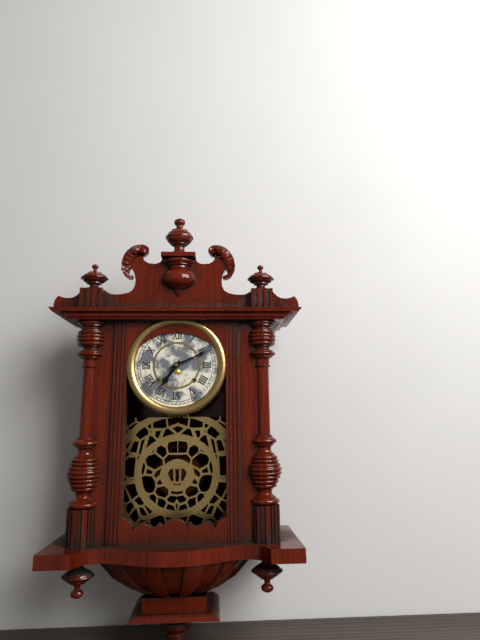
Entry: **7:11**
